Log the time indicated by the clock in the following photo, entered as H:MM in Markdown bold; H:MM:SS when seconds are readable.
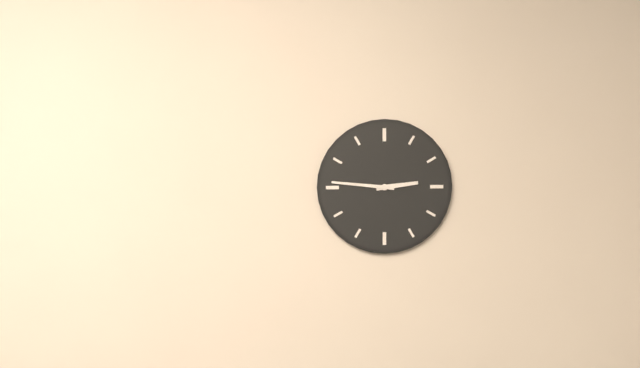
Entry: **2:46**
